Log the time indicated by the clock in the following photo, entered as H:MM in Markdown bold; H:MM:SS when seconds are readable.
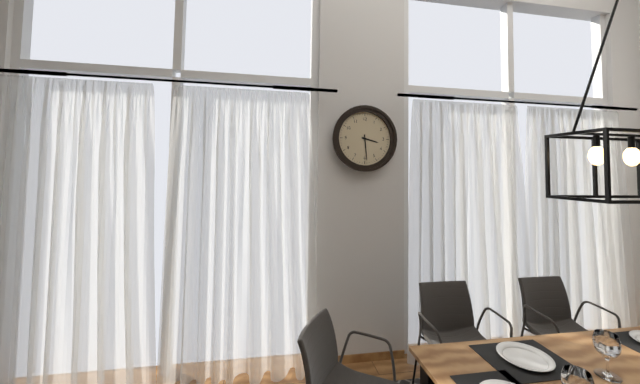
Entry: **3:29**
